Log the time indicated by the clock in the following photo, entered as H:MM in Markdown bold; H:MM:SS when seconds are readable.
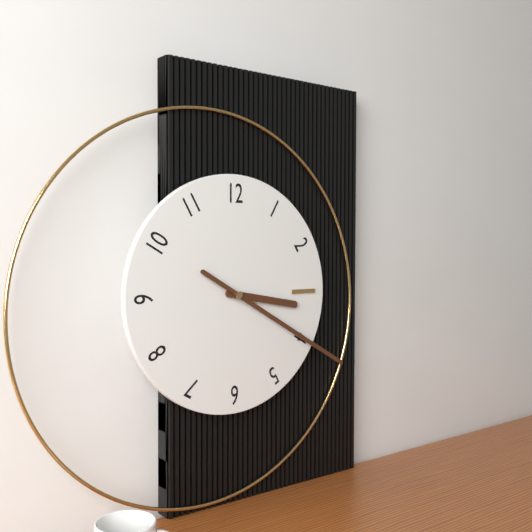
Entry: **3:20**
